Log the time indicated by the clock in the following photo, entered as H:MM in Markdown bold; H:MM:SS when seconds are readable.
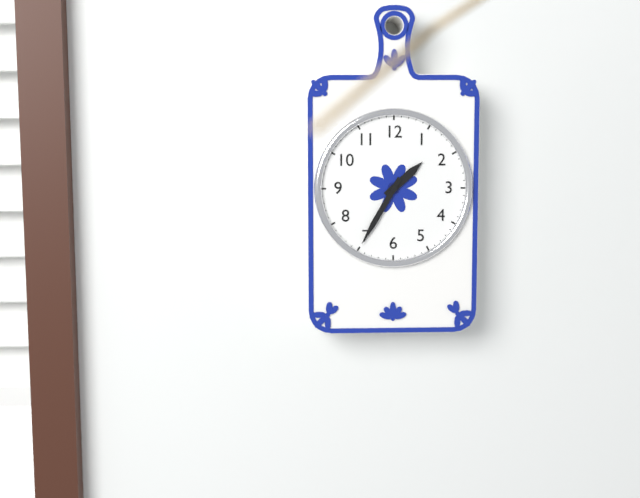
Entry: **1:35**
